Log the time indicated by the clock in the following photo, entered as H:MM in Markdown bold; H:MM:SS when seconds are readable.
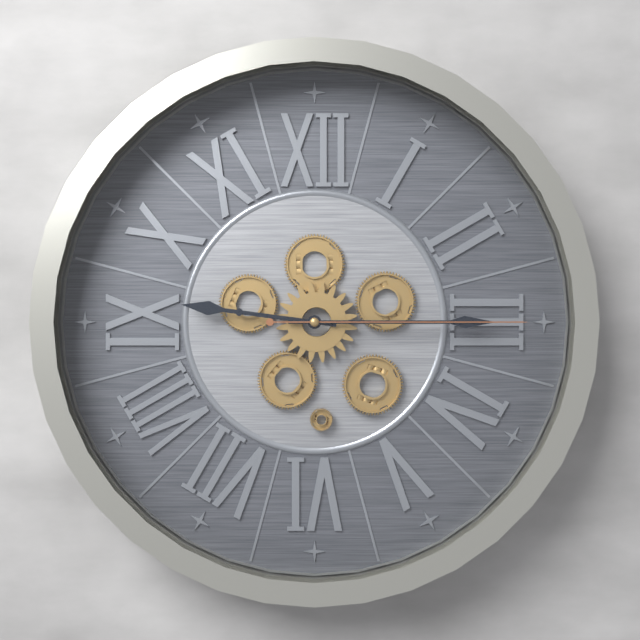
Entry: **9:15:15**
